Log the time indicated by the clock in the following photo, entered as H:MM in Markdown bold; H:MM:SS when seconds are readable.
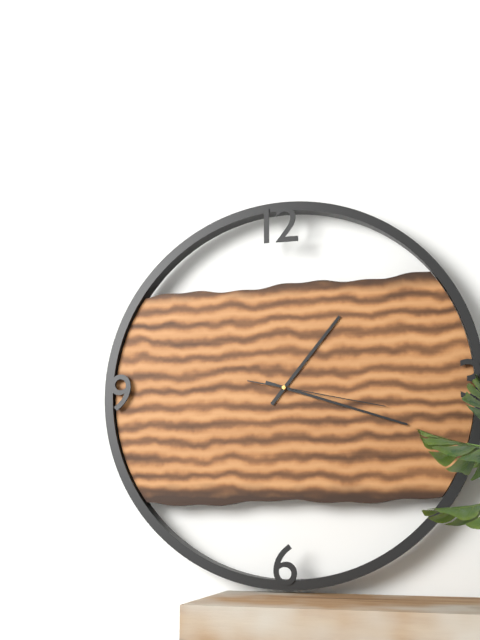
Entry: **1:18:17**
